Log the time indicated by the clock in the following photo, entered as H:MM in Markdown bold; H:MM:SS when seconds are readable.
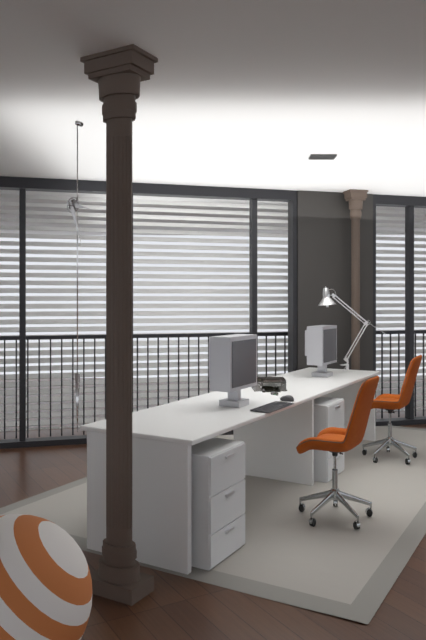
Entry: **3:27**
